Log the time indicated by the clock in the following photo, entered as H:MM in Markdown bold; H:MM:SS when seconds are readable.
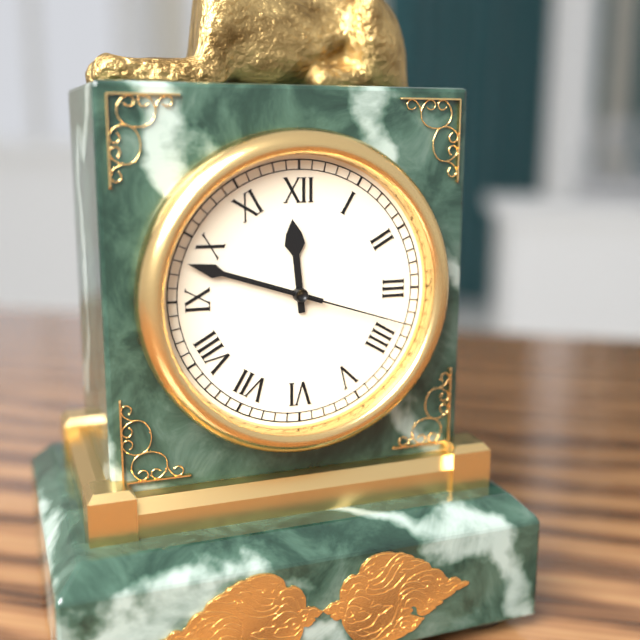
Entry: **11:48:18**
